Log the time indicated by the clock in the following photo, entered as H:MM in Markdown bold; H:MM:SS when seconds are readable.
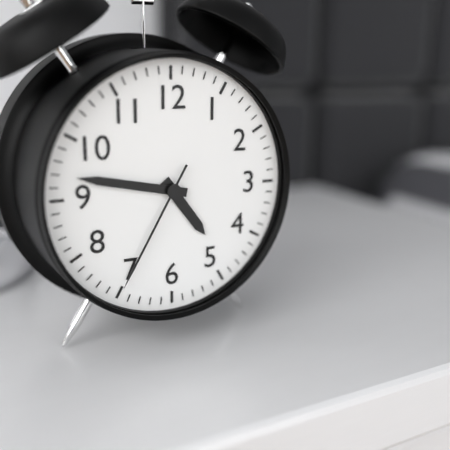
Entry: **4:47:35**
